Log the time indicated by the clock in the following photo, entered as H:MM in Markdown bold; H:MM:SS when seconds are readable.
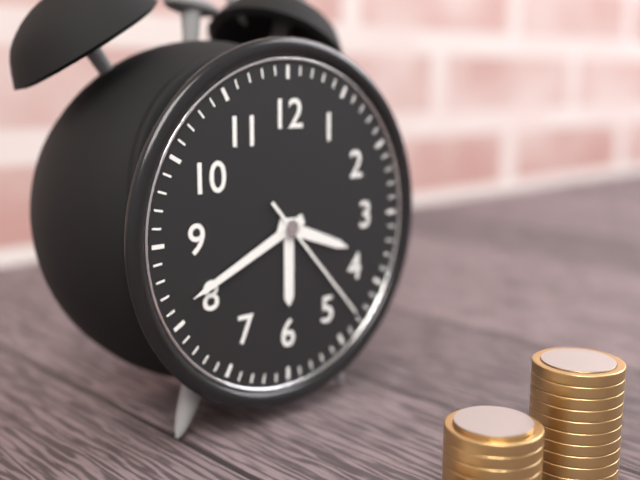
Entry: **3:41:23**
